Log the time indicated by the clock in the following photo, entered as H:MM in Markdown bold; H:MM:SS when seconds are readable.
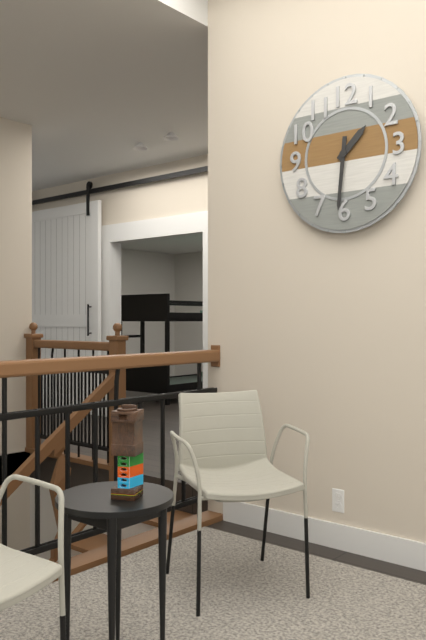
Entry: **1:31**
